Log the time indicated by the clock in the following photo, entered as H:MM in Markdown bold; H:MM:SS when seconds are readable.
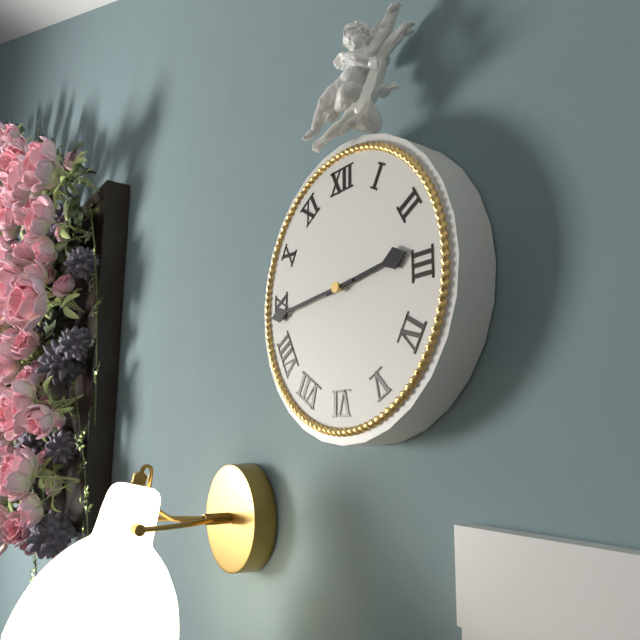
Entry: **2:44**
